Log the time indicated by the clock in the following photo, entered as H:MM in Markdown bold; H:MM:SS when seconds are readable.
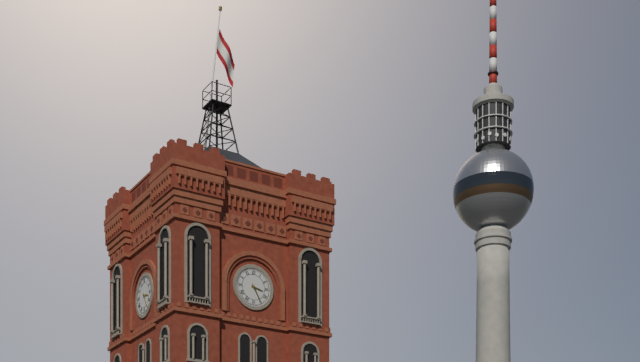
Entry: **3:25**
